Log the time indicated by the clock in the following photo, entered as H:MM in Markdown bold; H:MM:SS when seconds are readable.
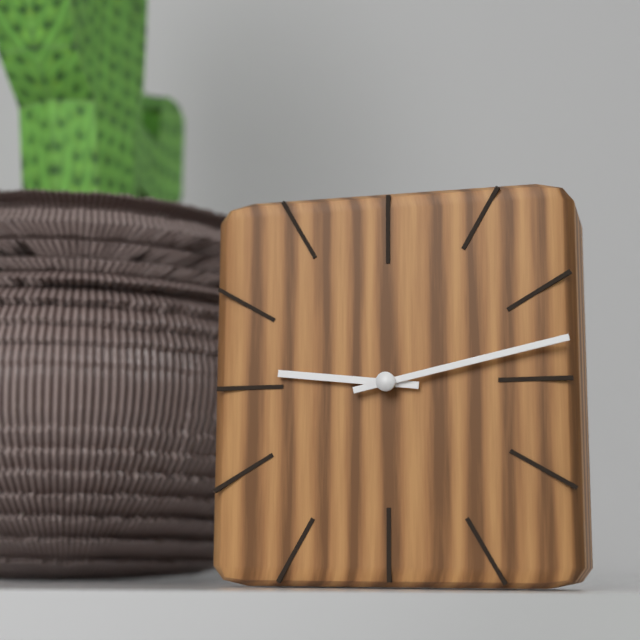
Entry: **9:13**
